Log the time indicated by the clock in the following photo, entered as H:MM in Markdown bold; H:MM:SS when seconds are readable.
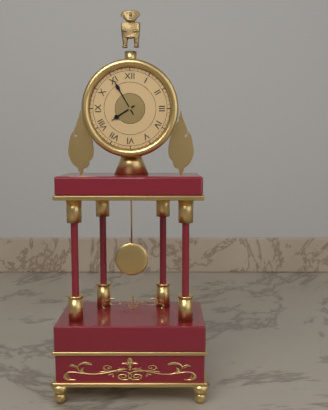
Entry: **7:55**
